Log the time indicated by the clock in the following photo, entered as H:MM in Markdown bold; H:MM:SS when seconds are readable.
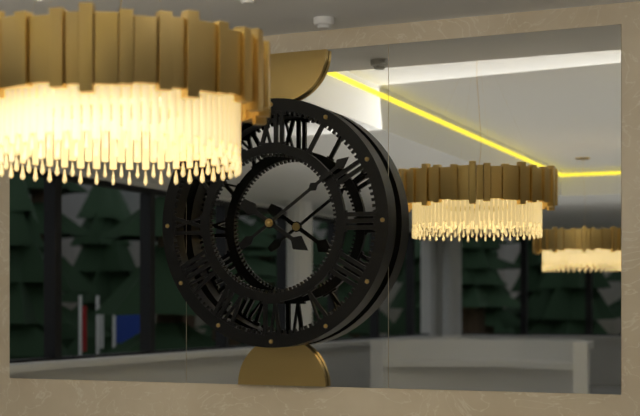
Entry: **4:09**
